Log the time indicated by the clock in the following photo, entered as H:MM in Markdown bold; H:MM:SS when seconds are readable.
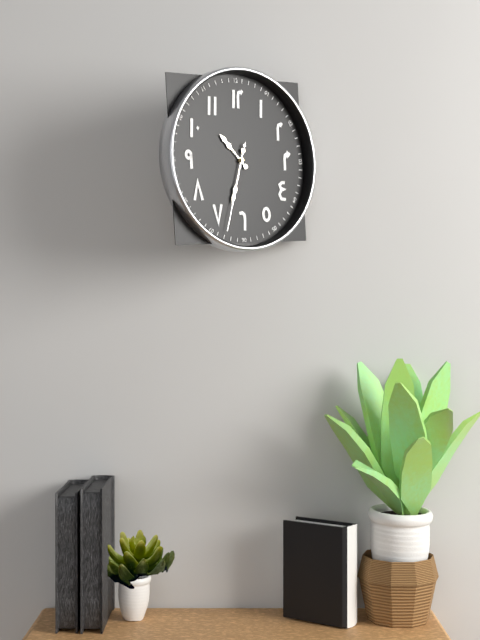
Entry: **10:33:33**
